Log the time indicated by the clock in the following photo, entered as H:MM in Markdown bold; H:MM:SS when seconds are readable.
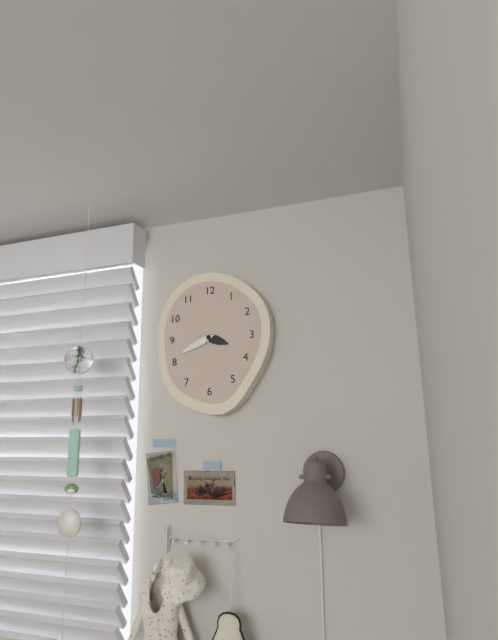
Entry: **3:41**
